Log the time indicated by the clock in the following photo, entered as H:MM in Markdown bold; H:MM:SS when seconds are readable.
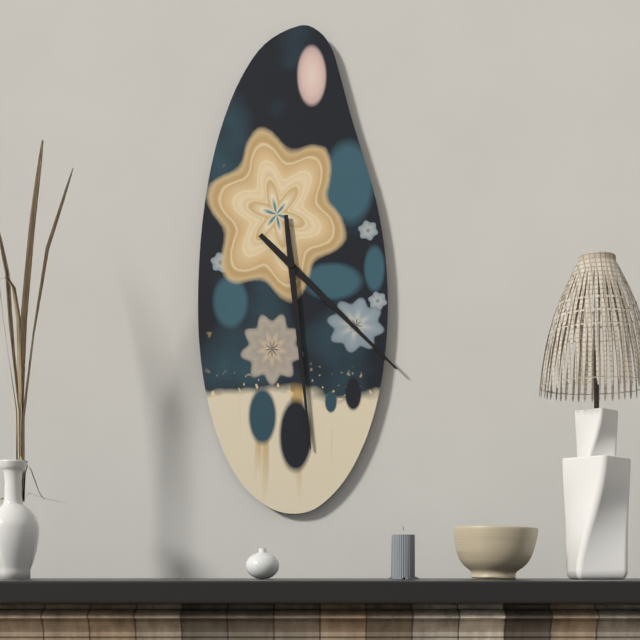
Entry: **4:29**
